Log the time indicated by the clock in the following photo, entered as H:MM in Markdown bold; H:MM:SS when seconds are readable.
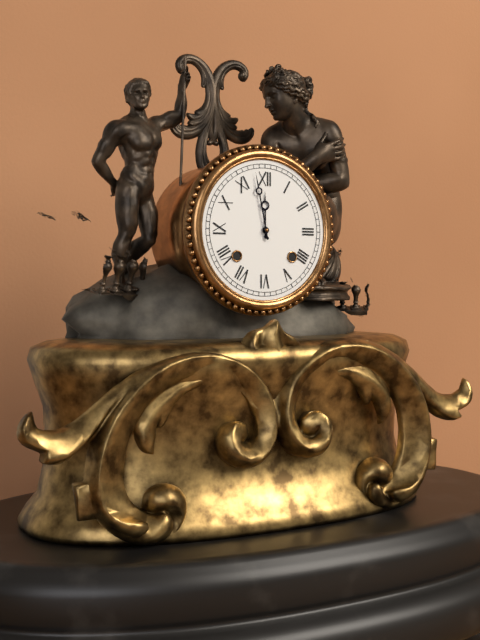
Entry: **11:58**
